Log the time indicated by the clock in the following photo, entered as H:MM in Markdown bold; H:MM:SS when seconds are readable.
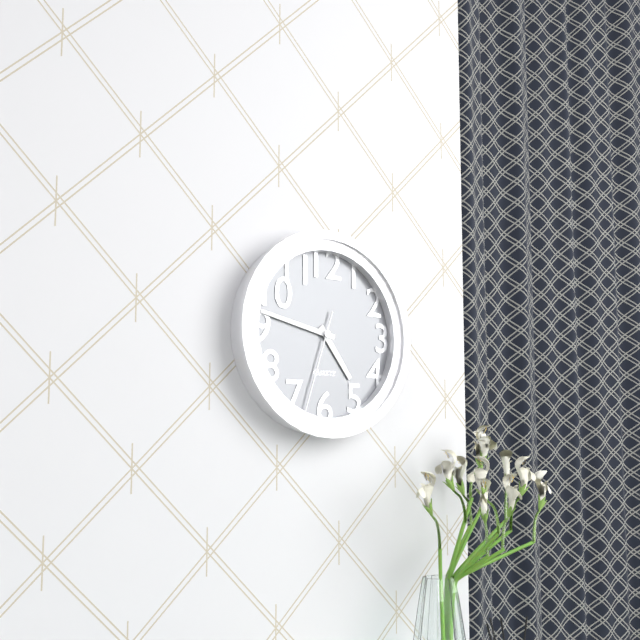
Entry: **4:47:33**
